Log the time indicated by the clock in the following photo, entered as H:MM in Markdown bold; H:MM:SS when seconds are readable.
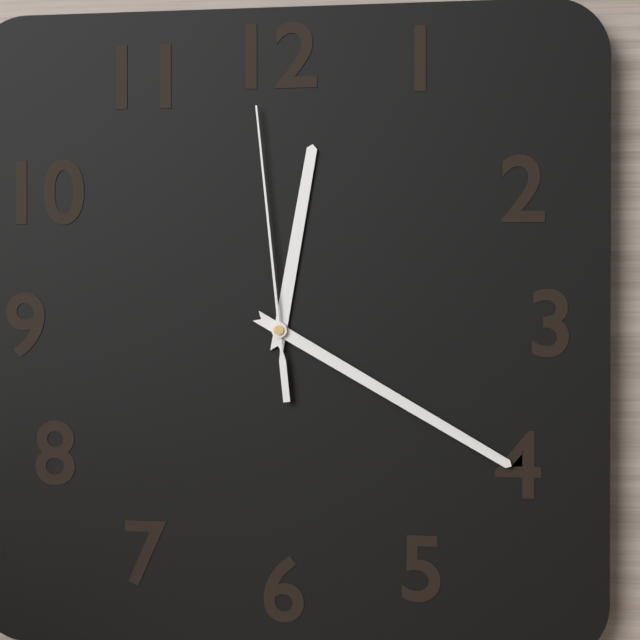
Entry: **12:20:59**
